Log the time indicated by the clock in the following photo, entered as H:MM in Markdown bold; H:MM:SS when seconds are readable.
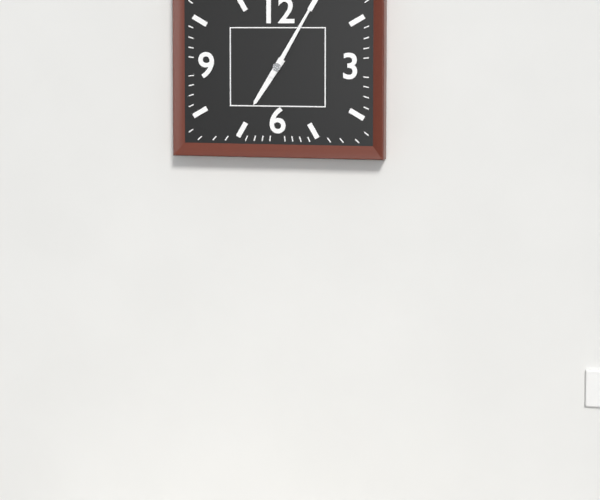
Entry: **7:05**
